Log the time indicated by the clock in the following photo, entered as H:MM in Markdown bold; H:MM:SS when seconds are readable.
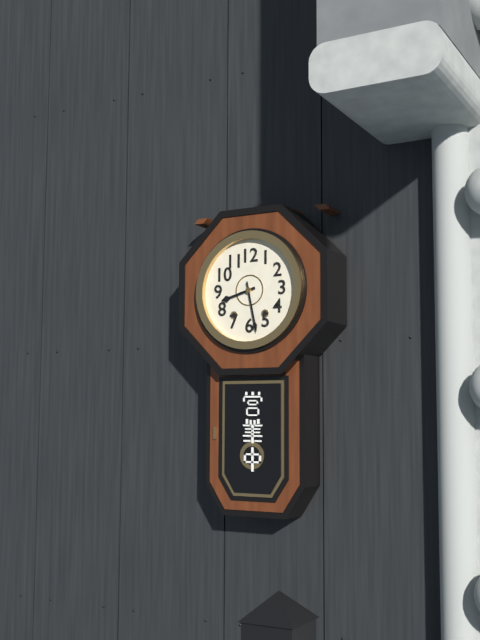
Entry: **8:28**
